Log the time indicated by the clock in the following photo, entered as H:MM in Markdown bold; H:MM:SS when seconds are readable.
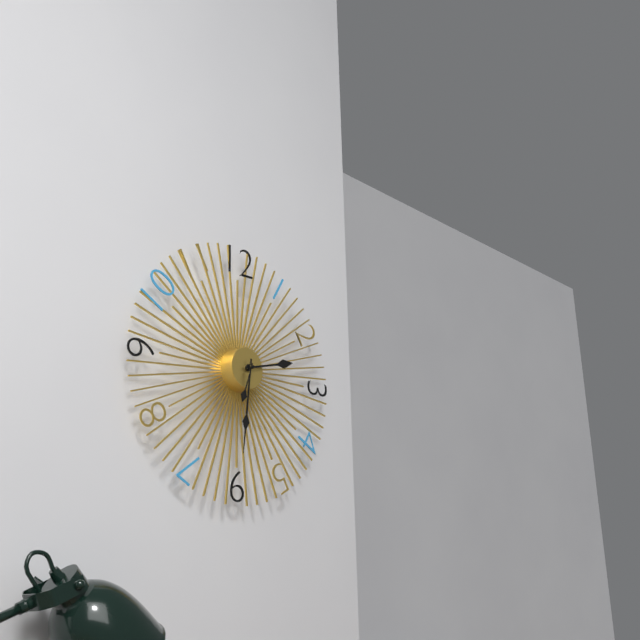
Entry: **2:31**
